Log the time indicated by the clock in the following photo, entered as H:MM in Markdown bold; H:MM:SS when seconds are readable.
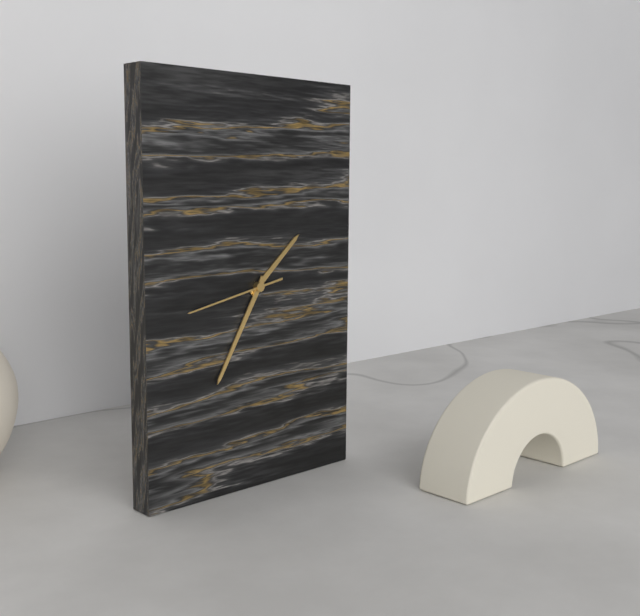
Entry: **1:35:43**
